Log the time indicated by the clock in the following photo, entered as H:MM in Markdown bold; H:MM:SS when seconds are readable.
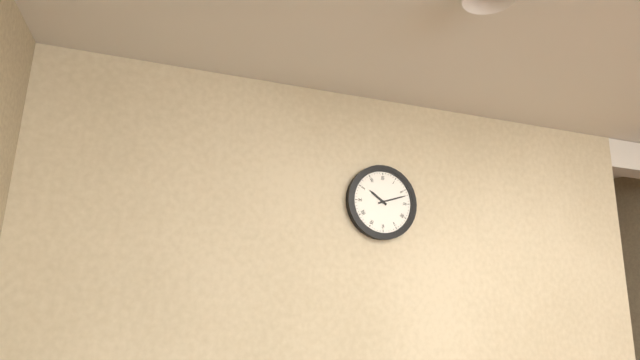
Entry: **10:12**
